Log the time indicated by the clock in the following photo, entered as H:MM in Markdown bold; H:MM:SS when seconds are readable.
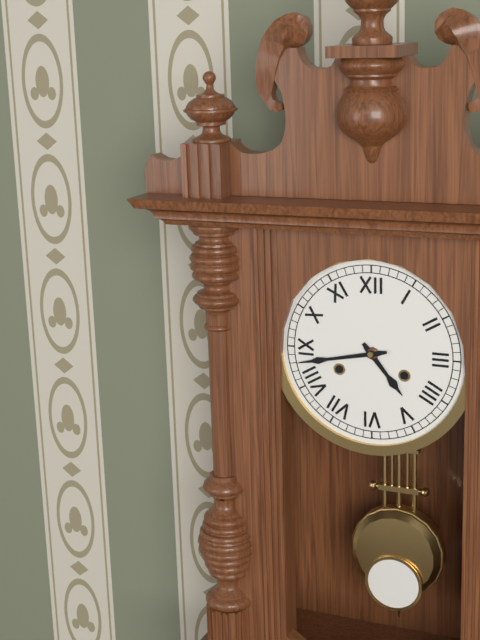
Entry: **4:43**
